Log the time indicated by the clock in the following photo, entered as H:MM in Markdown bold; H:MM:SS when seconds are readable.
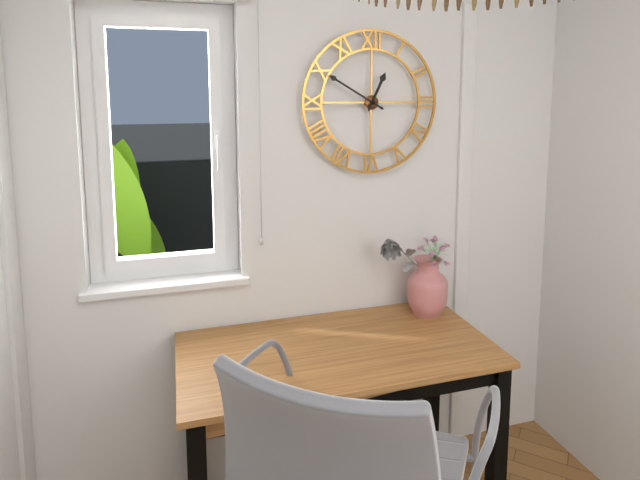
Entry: **12:50**
